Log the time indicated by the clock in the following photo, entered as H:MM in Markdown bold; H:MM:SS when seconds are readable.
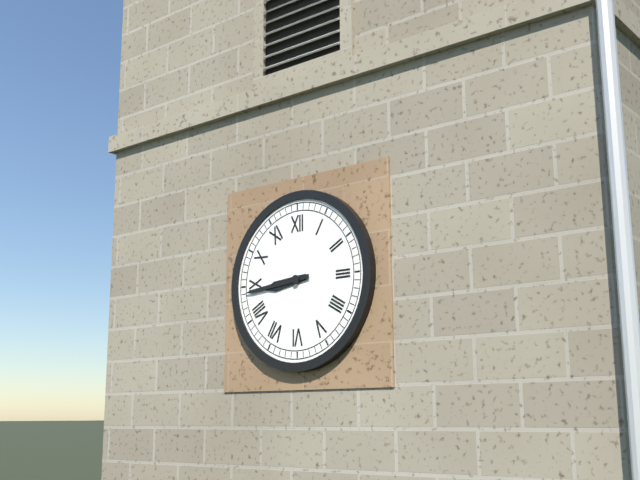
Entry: **8:44**
